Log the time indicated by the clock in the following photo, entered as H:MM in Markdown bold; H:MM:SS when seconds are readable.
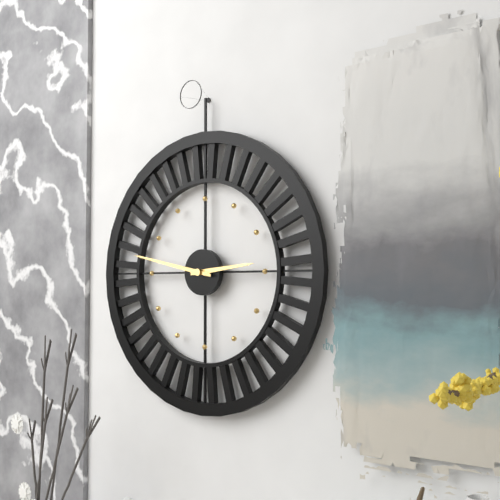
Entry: **2:47**
